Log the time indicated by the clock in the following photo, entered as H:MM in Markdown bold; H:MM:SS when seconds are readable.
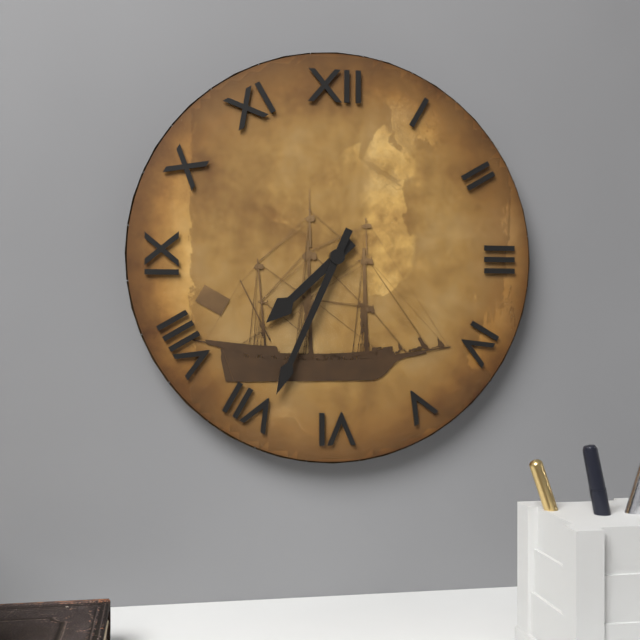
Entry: **7:34**
